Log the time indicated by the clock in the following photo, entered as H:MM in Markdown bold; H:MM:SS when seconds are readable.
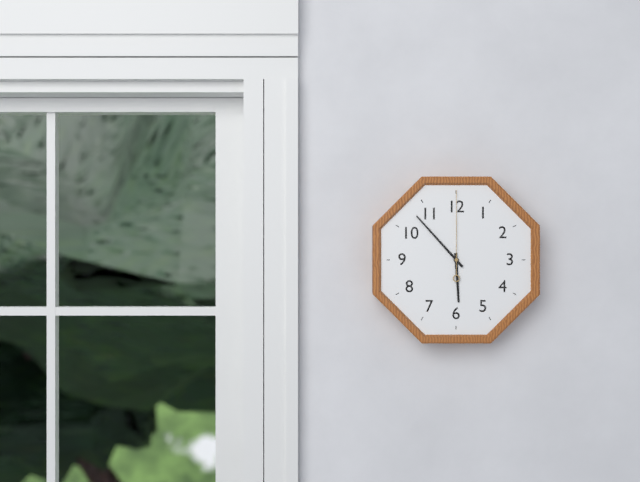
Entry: **5:53:00**
